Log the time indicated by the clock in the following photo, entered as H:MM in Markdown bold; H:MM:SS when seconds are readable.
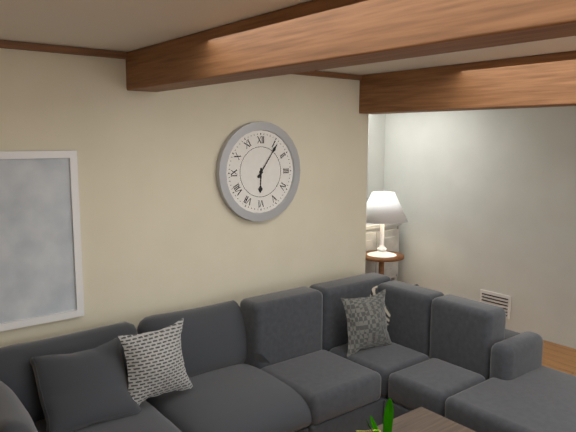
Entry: **6:06**
